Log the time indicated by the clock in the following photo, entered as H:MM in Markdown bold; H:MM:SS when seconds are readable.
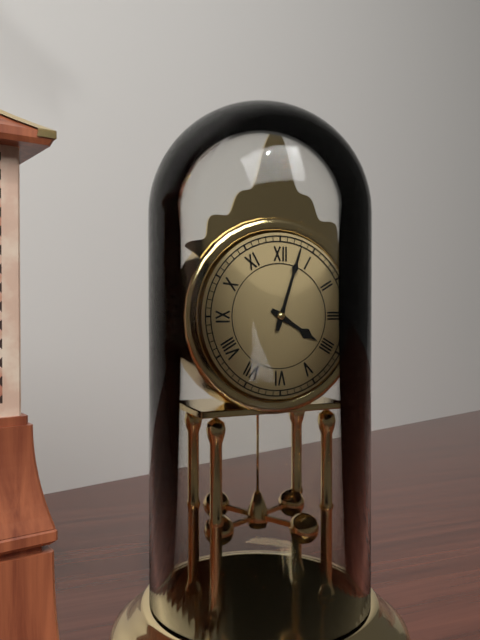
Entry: **4:03**
